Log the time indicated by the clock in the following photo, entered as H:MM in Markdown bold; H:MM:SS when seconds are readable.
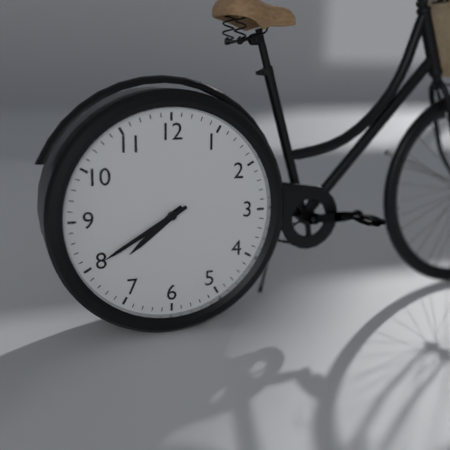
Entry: **7:40**
